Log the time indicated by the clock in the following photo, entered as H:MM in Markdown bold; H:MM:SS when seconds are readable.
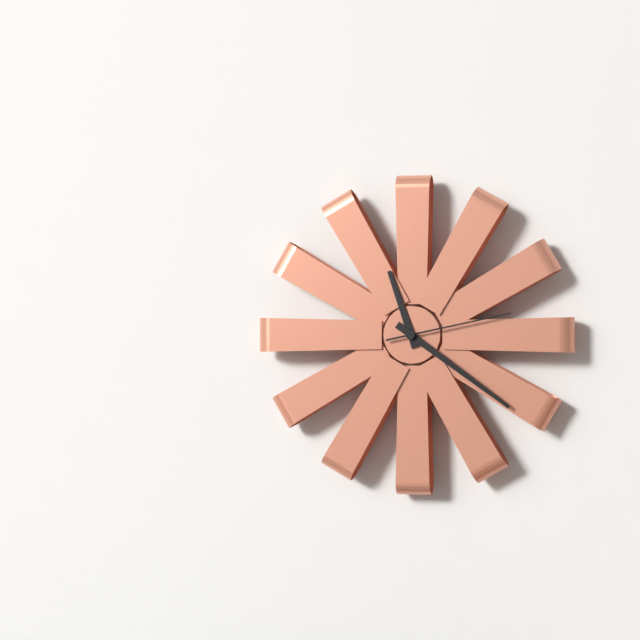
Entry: **11:21:13**
